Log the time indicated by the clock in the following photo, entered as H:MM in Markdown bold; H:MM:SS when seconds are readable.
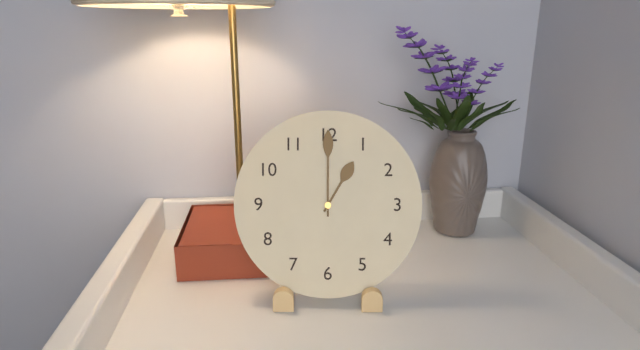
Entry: **1:00**
